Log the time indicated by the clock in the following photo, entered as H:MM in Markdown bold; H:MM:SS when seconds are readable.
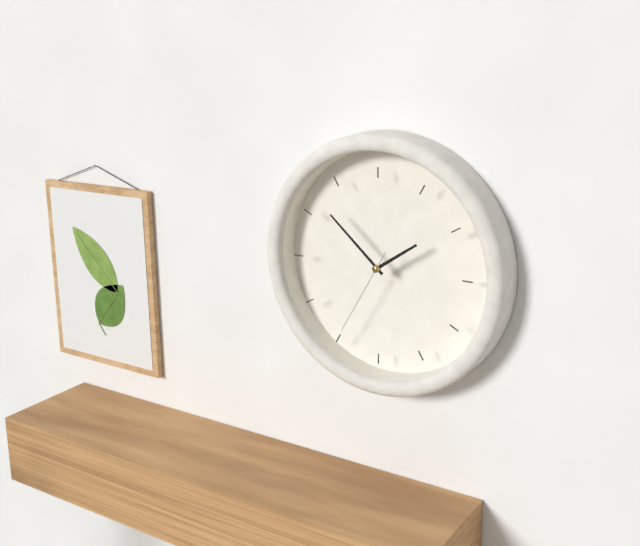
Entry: **1:52:35**
